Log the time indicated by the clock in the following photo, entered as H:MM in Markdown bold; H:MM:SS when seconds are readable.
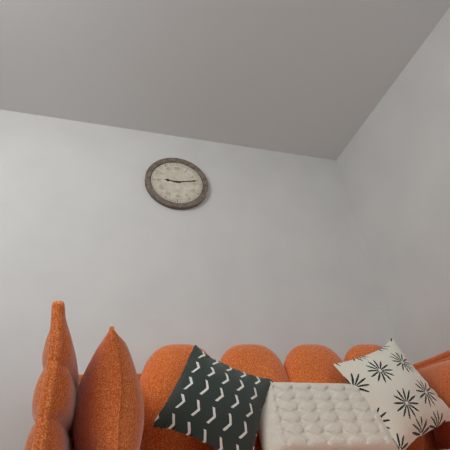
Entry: **9:13**
